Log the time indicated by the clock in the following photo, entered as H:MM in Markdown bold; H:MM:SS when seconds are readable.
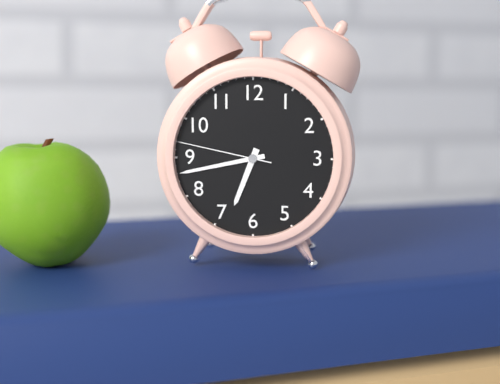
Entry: **6:43:47**
